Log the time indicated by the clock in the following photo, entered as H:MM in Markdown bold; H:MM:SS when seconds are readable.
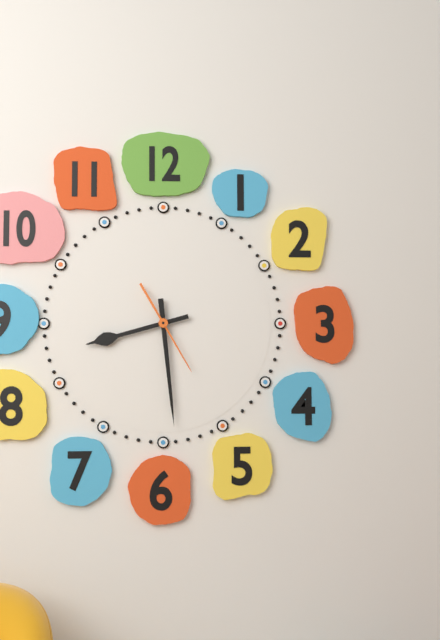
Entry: **8:29:25**
